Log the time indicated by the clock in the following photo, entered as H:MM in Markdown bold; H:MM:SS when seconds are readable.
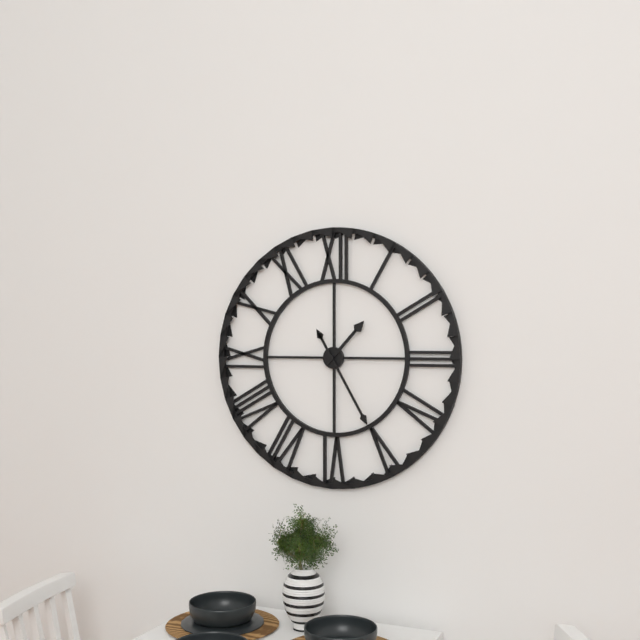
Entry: **1:25**
